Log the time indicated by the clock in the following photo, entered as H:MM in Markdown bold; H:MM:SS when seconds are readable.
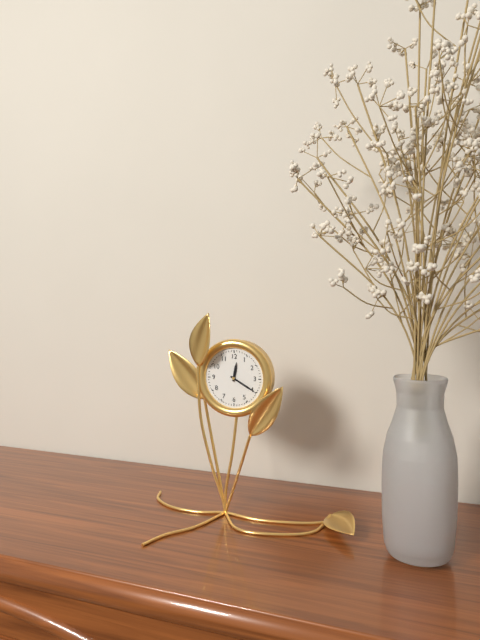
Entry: **12:20**
